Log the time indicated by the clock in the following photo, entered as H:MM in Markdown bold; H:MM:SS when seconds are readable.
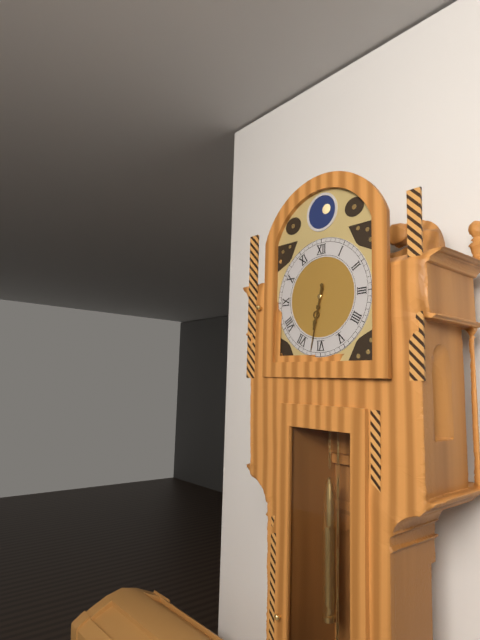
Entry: **6:32**
